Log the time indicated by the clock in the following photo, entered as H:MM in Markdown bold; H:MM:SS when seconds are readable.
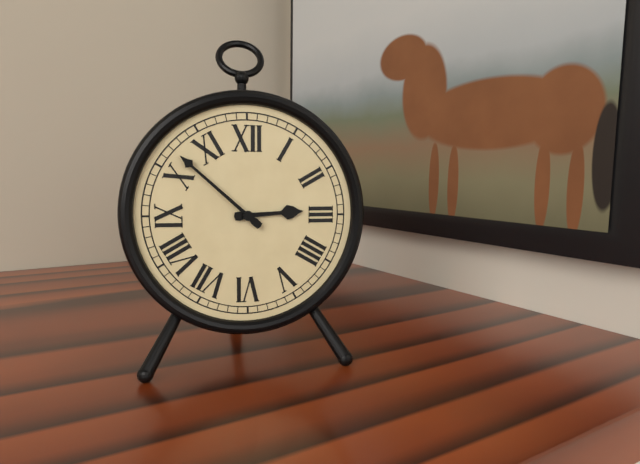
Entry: **2:52**
